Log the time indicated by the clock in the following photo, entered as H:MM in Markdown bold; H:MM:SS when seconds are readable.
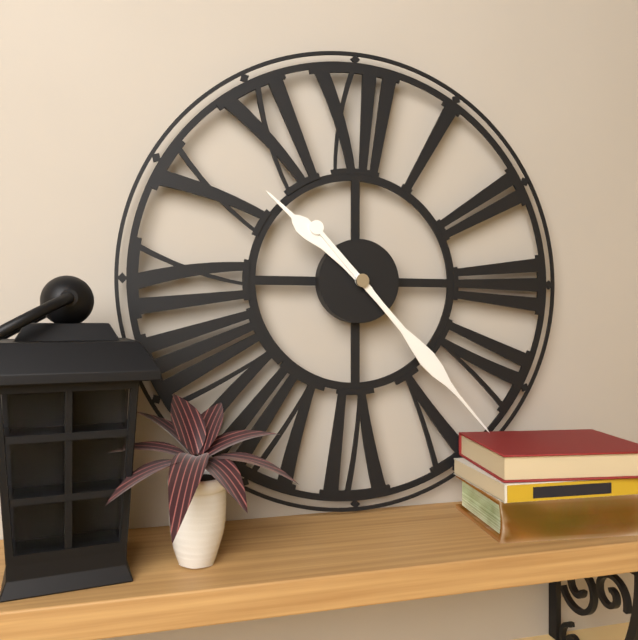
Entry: **10:23**
